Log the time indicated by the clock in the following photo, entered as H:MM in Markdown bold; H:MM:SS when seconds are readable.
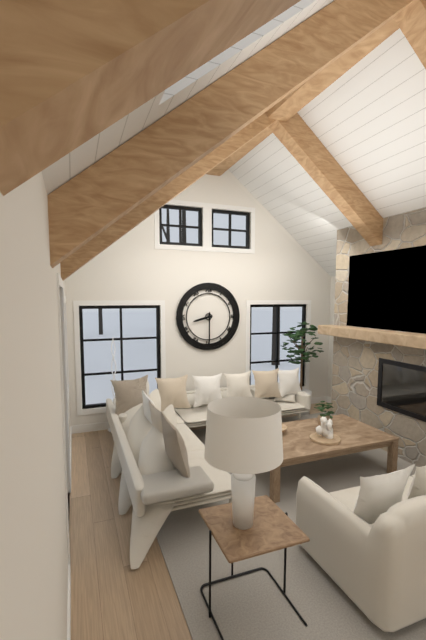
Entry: **8:30**
